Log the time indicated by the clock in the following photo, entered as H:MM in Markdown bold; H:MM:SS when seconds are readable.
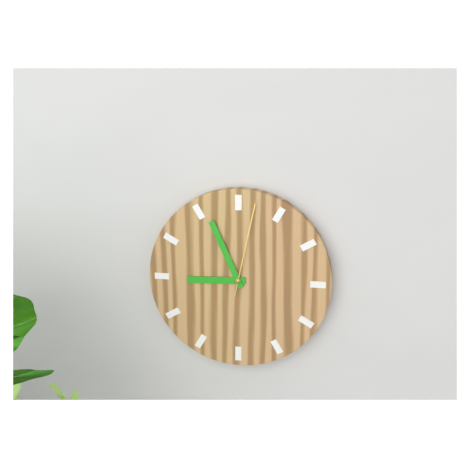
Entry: **8:56:02**
